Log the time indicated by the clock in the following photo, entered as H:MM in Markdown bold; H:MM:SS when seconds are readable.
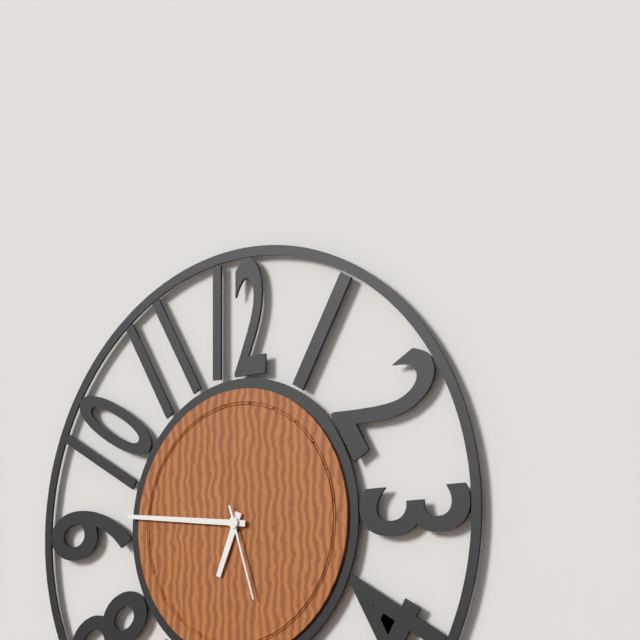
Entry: **6:46:27**
